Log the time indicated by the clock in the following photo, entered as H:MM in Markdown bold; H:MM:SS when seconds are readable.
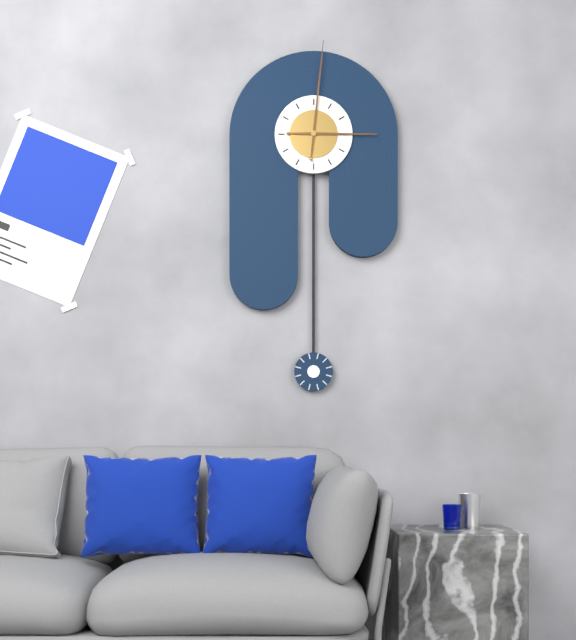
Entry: **3:01**
